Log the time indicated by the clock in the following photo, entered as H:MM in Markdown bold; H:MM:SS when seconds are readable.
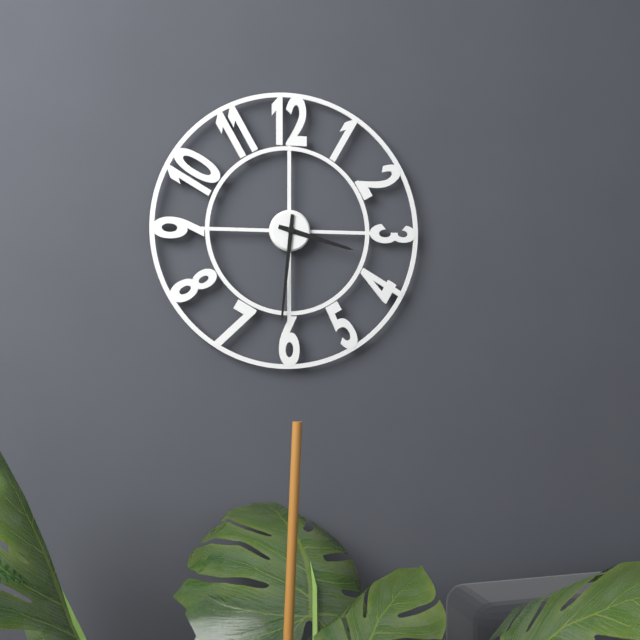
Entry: **3:31**
